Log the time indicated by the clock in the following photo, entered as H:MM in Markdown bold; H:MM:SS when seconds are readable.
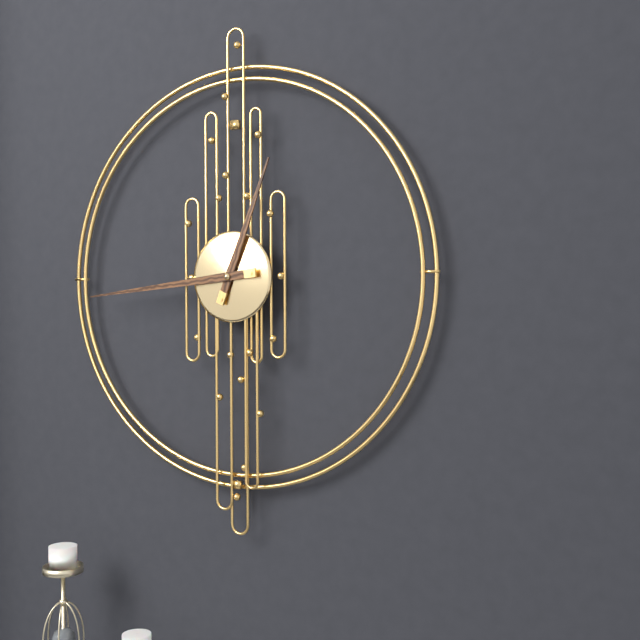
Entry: **12:44**
